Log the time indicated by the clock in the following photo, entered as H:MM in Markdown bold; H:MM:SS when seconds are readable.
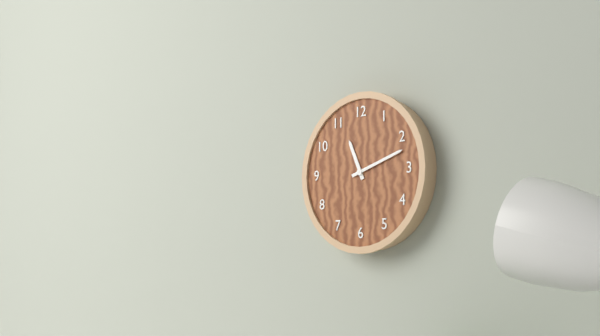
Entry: **11:12**
